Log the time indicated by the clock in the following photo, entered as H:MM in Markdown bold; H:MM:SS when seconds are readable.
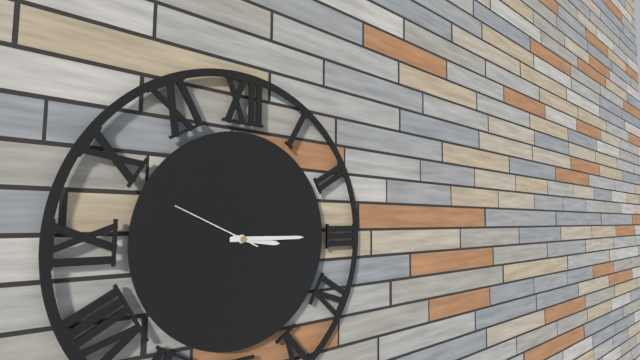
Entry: **3:15:49**
